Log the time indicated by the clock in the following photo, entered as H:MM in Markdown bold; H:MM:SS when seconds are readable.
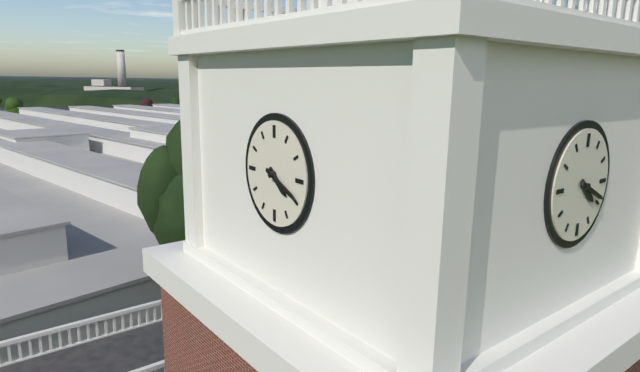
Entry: **4:19**
